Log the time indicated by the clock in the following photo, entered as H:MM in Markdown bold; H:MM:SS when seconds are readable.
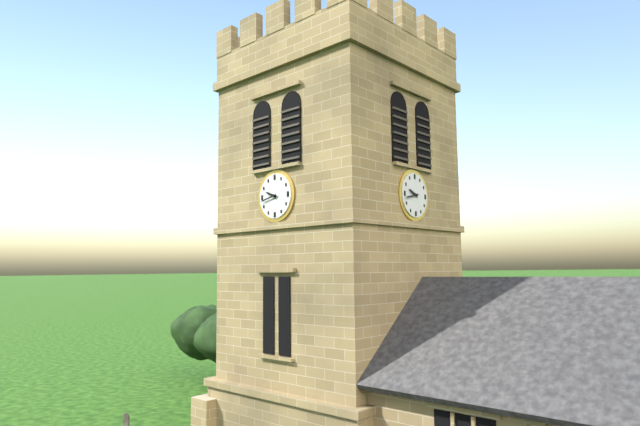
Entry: **9:43**
